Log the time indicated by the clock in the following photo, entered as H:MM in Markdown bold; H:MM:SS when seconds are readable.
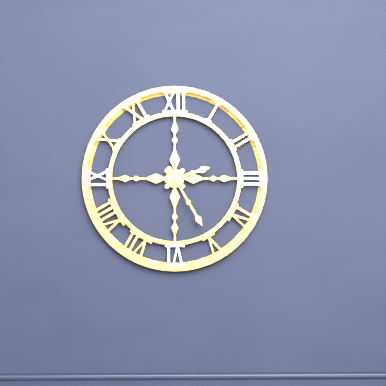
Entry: **2:25**
